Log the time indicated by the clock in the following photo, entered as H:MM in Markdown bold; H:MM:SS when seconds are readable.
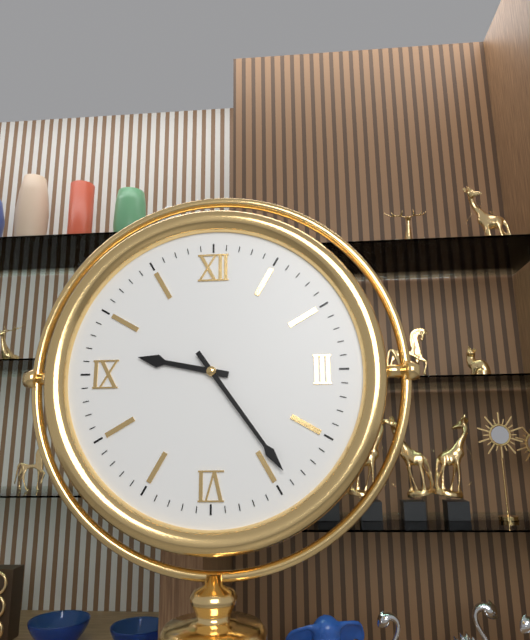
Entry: **9:24**
